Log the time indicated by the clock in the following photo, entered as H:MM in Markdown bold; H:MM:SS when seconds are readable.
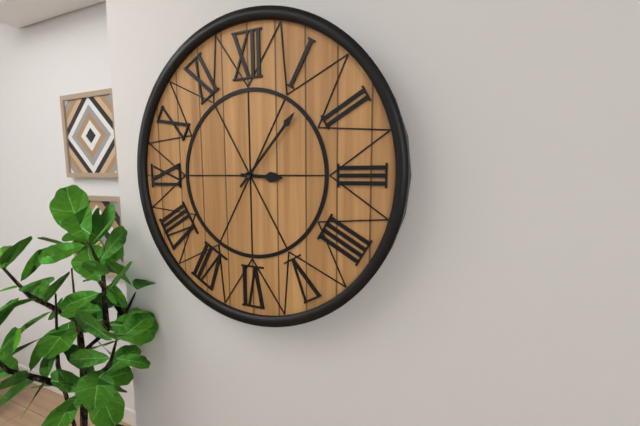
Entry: **3:07**
